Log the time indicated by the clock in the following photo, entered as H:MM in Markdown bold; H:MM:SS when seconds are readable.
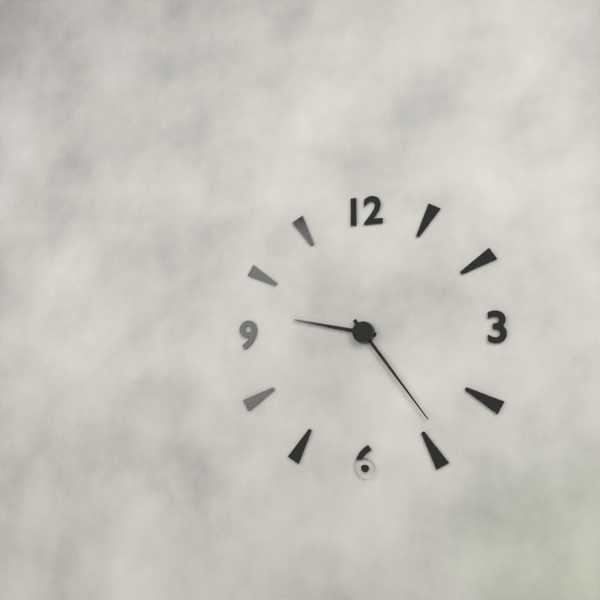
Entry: **9:24**
